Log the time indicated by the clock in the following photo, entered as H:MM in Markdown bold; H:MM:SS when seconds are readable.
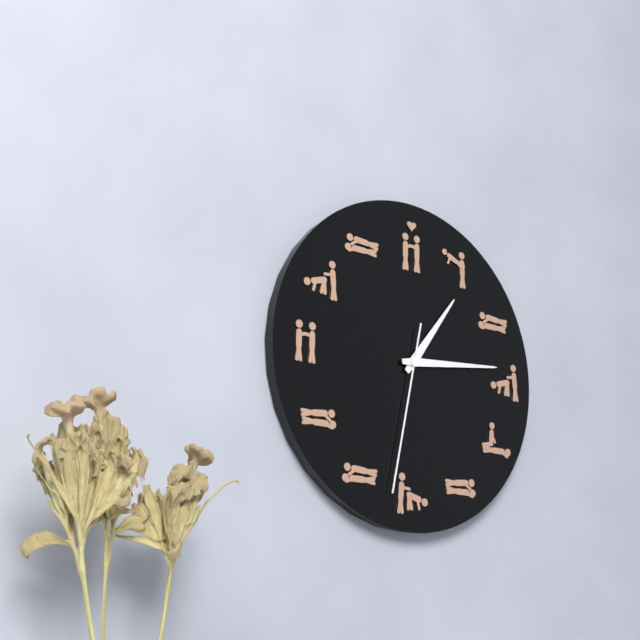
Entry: **1:14:32**
